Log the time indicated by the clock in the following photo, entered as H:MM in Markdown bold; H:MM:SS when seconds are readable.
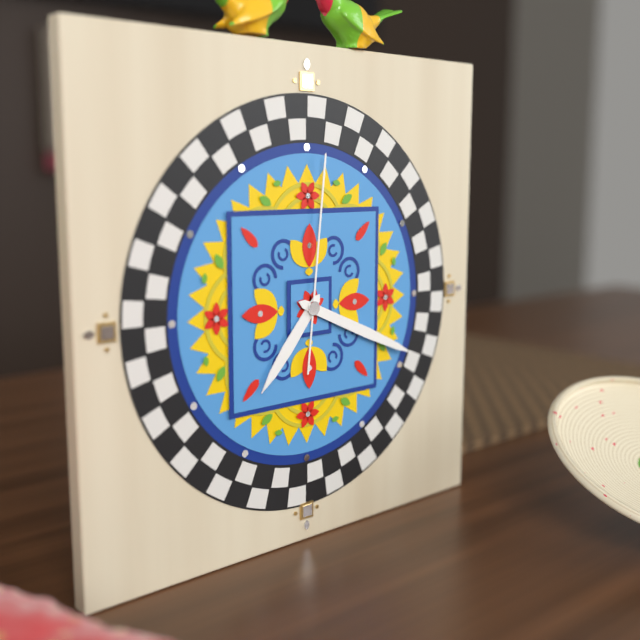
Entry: **7:19:01**
